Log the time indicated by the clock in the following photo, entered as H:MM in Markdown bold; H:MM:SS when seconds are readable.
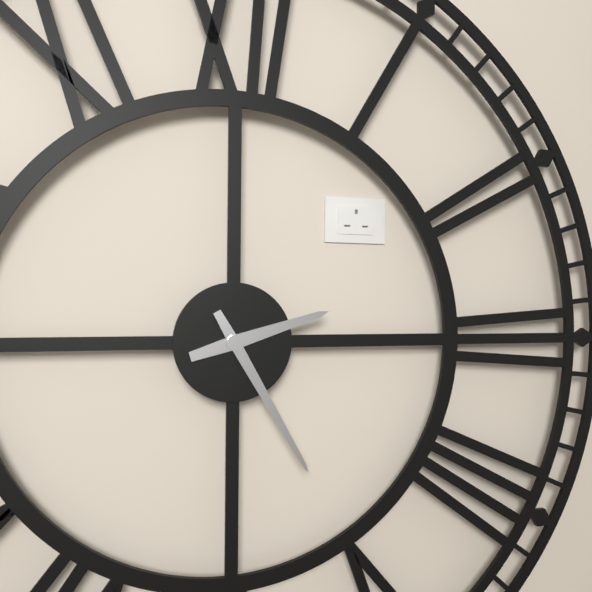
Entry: **2:25**
